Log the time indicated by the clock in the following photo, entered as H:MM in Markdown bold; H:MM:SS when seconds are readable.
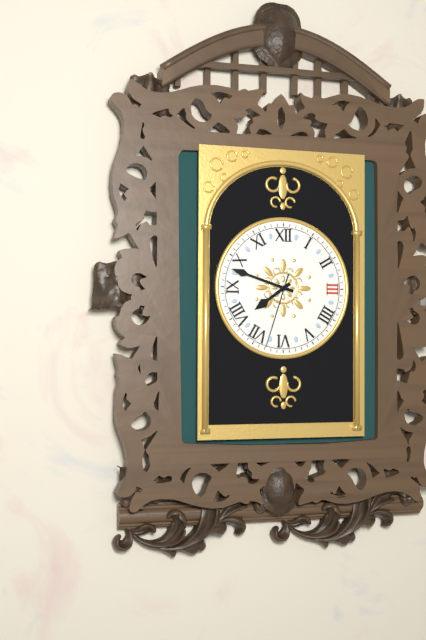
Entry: **7:48:33**
